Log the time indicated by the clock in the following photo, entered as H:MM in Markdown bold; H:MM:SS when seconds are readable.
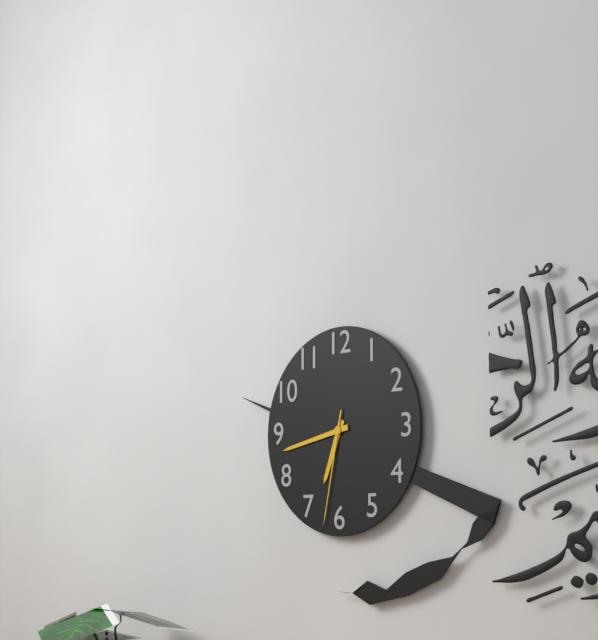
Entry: **6:43:32**
